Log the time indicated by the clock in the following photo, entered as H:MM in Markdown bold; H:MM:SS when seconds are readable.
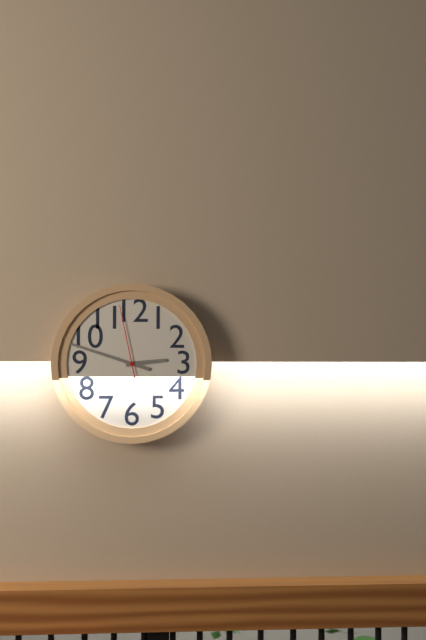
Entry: **2:48:58**
